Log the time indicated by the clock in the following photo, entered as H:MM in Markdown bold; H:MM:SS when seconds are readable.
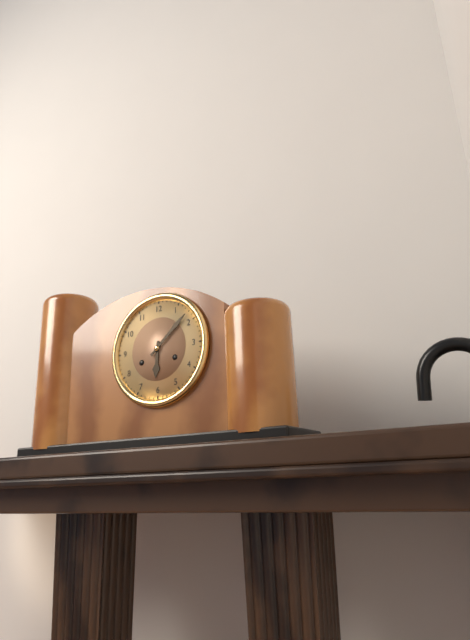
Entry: **6:08**
